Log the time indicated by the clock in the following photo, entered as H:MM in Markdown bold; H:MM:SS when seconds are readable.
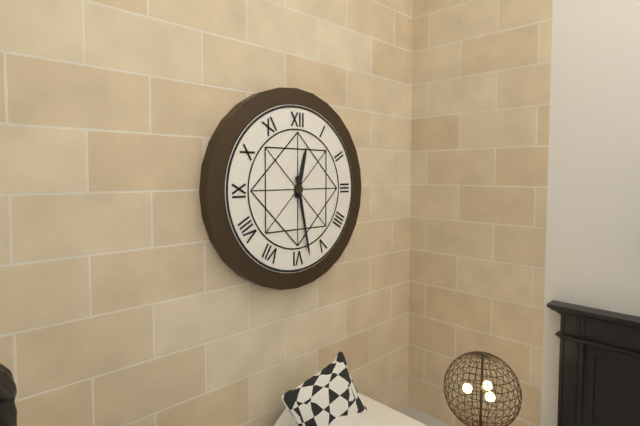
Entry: **12:28**
